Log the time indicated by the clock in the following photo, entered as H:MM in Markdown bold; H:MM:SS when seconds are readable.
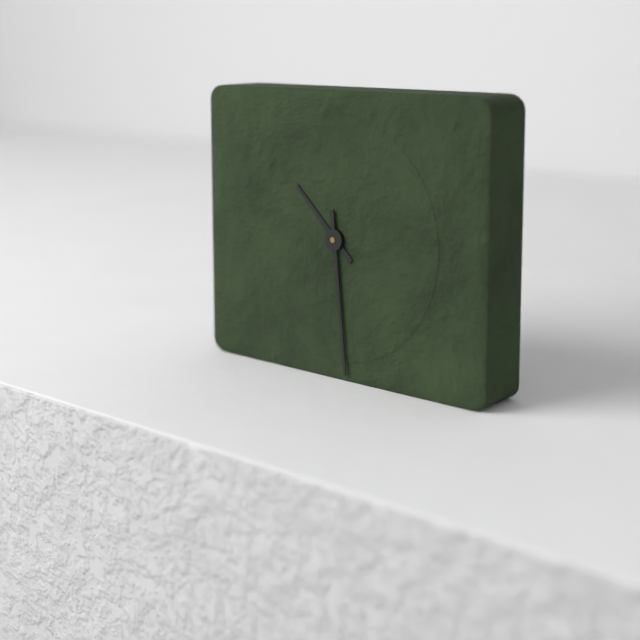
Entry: **10:29**
